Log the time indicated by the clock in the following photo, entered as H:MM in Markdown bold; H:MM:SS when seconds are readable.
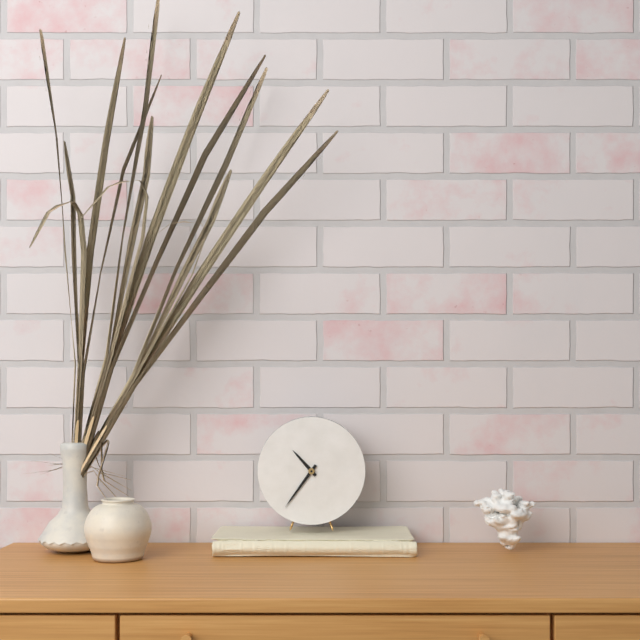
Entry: **10:36**
